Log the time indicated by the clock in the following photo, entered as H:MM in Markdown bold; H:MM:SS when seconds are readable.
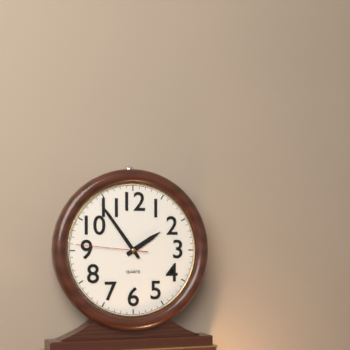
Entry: **1:54:46**
